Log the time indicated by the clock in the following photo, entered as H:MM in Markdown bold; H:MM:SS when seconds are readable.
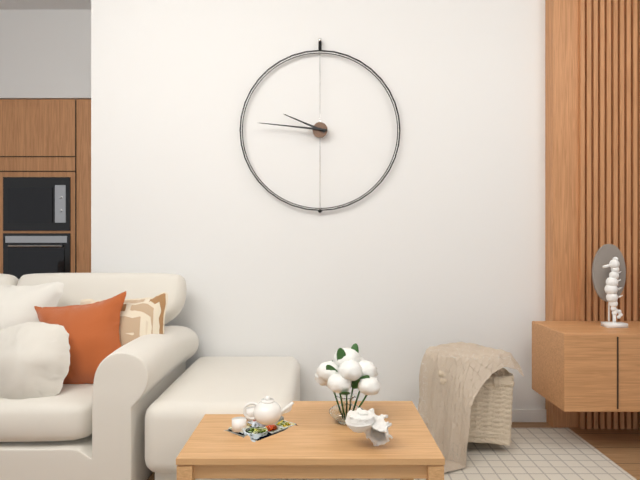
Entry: **9:46**
